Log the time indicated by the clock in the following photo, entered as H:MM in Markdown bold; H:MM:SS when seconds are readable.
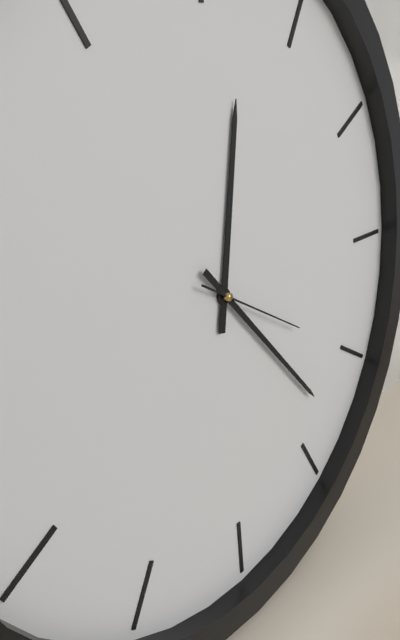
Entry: **12:23:20**
